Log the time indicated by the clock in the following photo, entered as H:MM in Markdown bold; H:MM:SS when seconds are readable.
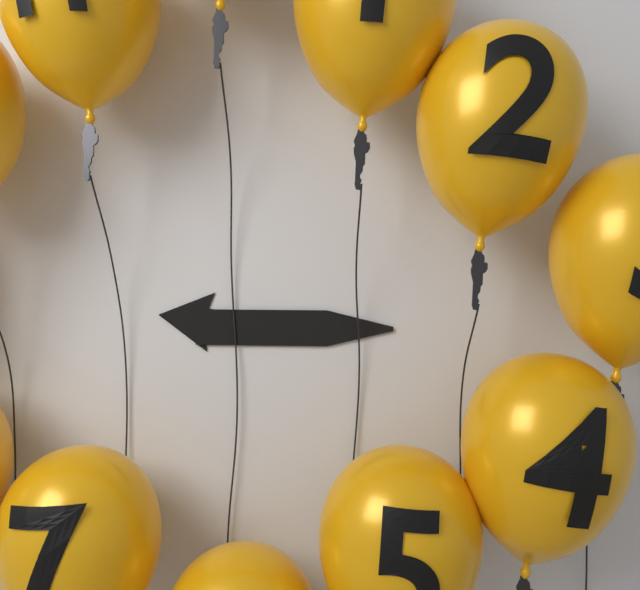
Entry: **9:15**
